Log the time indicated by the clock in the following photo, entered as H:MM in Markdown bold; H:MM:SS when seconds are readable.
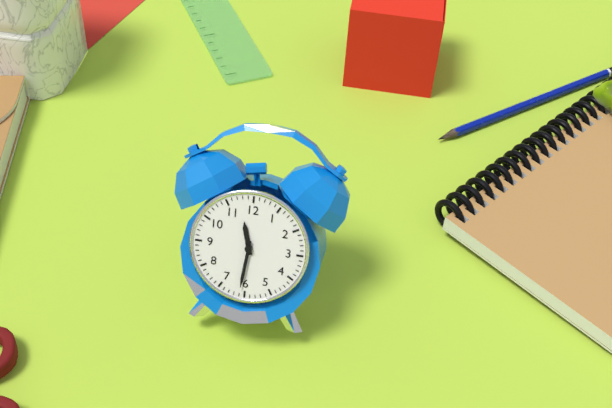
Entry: **11:31**
